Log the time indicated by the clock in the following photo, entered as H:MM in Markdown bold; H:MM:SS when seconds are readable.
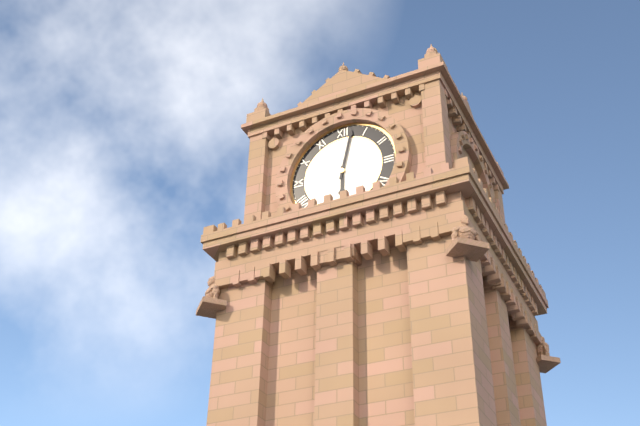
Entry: **6:02**
